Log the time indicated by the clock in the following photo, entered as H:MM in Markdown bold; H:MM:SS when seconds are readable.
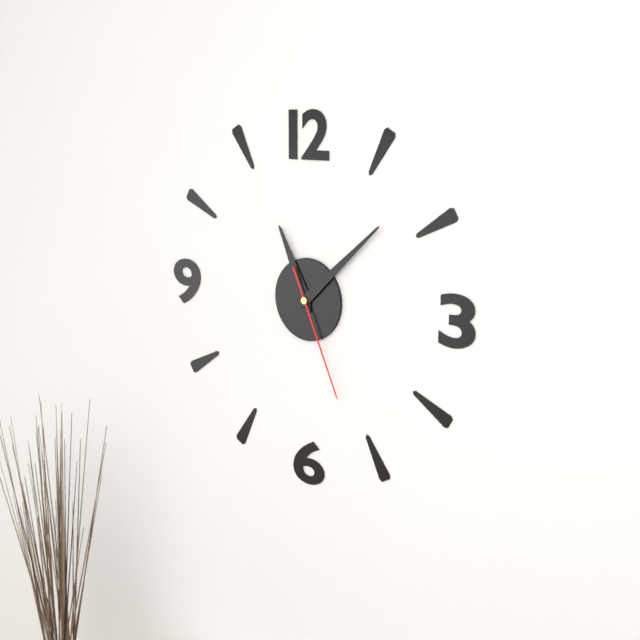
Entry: **11:08:26**
